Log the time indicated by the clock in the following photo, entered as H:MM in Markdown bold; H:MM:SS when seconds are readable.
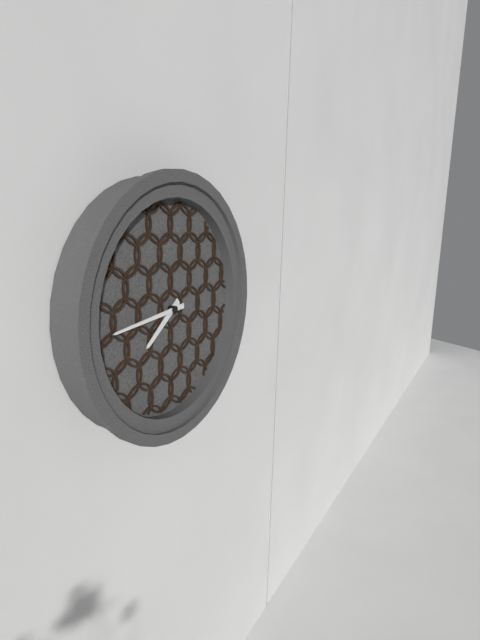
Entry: **7:44**
